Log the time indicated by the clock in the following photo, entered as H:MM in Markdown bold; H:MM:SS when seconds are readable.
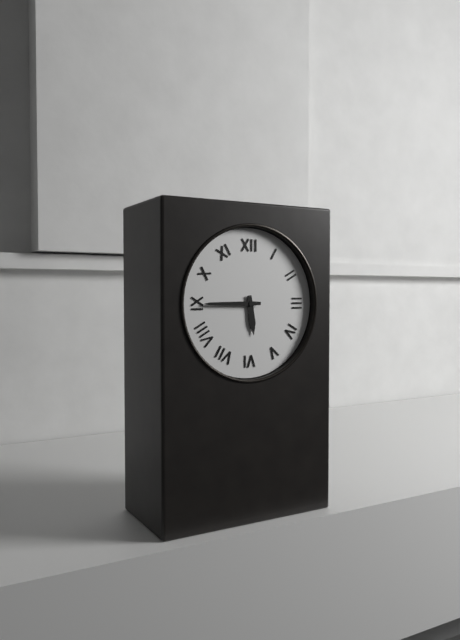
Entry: **5:45**
